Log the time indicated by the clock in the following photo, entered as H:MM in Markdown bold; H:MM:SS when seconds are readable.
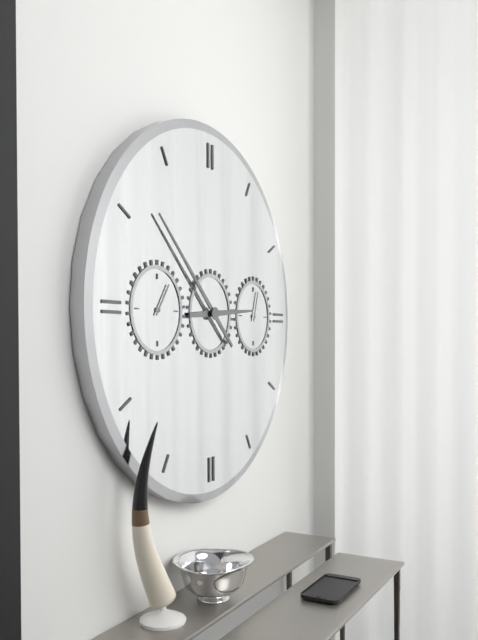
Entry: **2:52**
